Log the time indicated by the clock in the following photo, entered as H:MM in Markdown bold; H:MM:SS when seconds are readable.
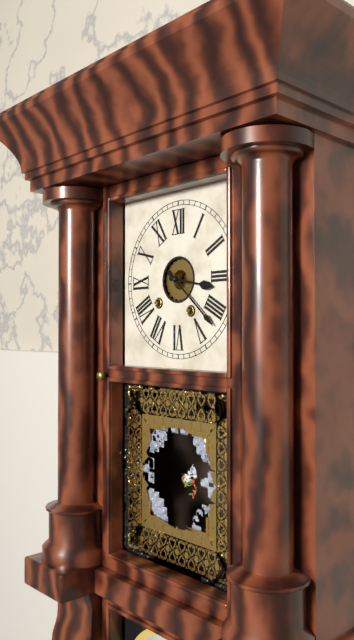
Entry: **3:22**
